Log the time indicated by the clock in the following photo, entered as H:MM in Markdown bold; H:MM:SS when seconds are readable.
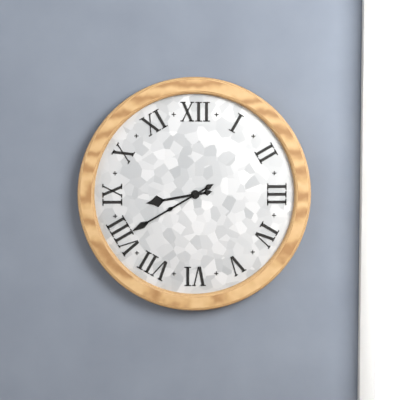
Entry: **8:40**
